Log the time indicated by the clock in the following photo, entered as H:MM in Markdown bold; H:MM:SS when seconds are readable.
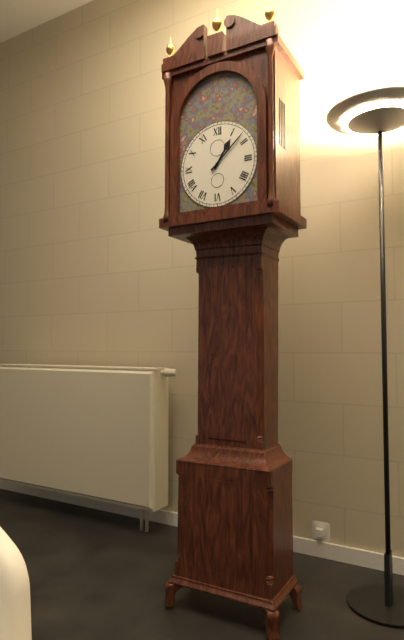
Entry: **1:08**
